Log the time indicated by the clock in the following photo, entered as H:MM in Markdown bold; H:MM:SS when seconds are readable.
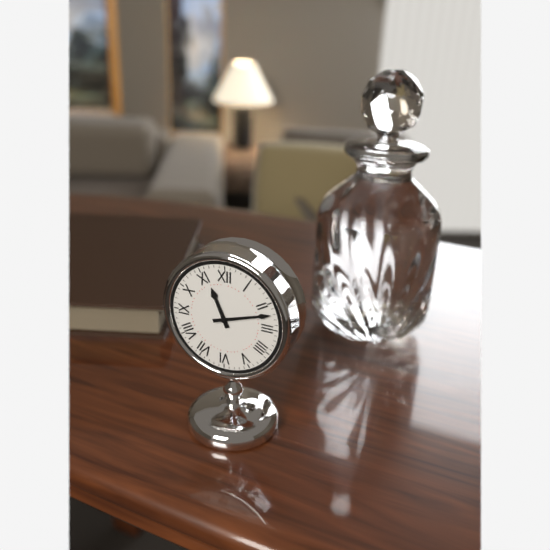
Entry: **11:12**
